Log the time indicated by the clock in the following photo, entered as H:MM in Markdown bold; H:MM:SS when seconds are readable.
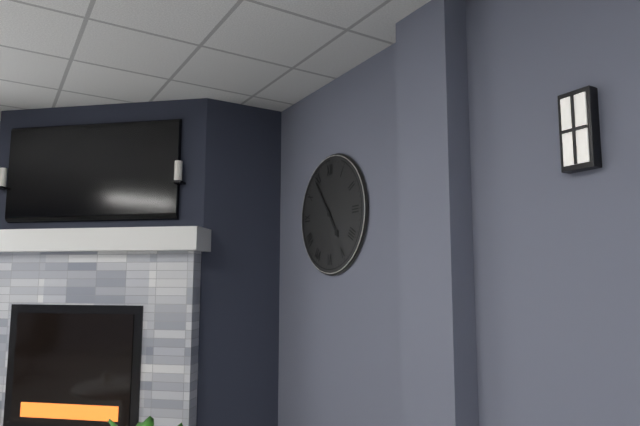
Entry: **4:54**
